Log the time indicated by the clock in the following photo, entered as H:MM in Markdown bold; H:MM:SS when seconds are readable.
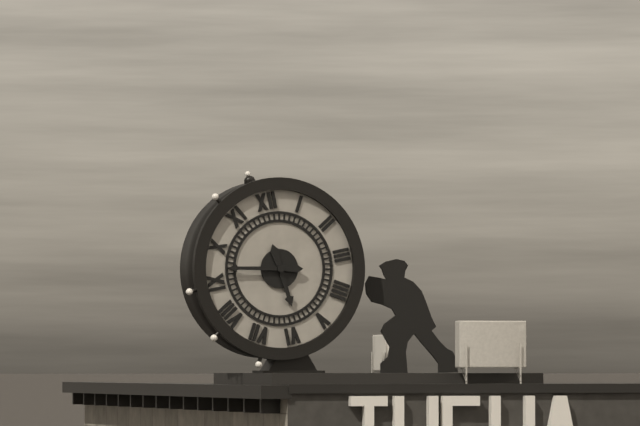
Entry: **5:47**
